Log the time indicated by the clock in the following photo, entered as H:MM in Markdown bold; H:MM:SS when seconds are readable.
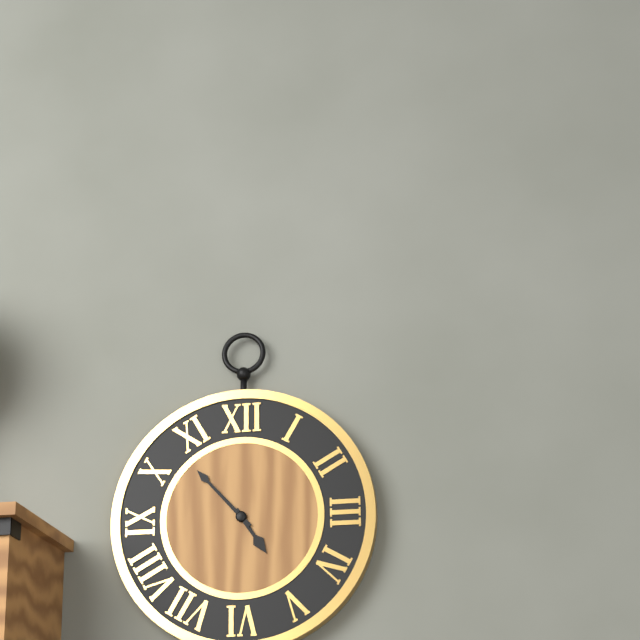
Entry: **4:53**
